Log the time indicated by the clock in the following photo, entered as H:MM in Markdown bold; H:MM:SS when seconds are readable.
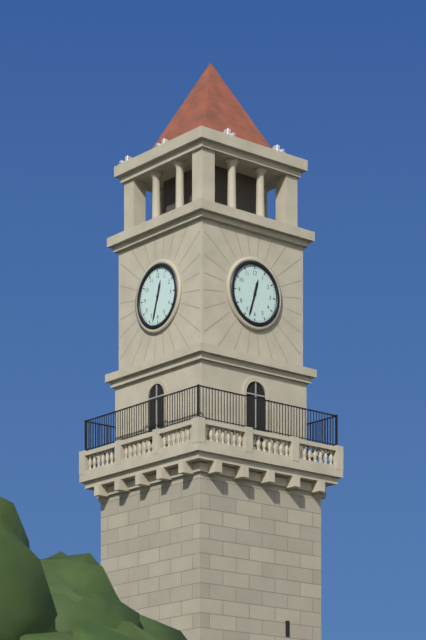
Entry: **12:33**
